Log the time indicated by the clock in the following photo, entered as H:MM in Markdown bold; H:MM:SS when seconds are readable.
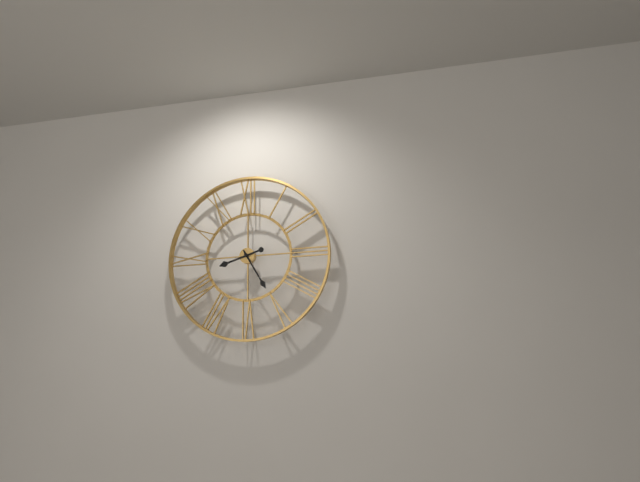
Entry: **8:25**
